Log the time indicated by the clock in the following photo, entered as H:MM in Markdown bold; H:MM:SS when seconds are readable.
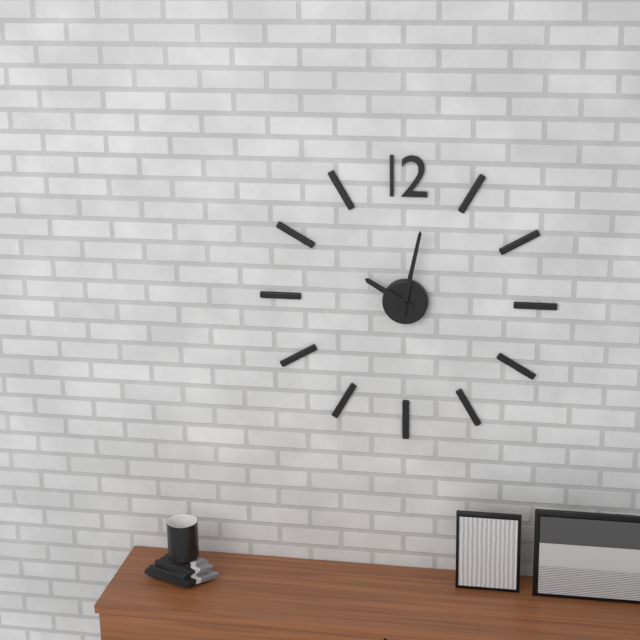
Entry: **10:02**
